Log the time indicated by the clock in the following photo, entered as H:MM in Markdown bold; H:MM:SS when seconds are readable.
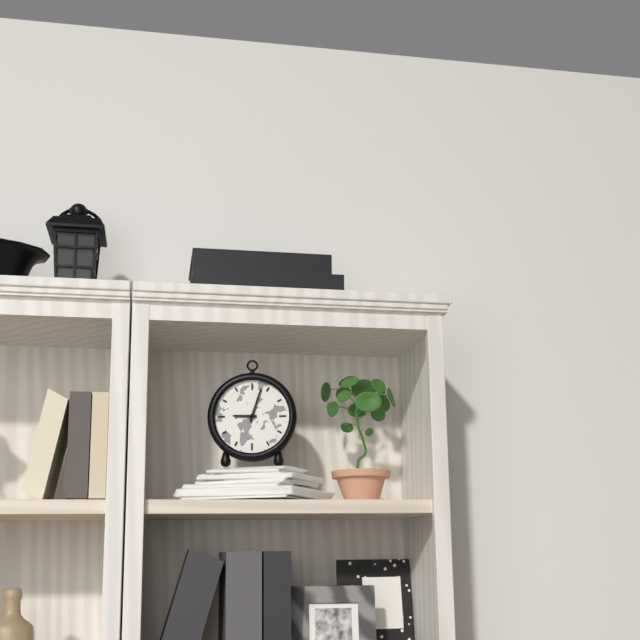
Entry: **9:03**
